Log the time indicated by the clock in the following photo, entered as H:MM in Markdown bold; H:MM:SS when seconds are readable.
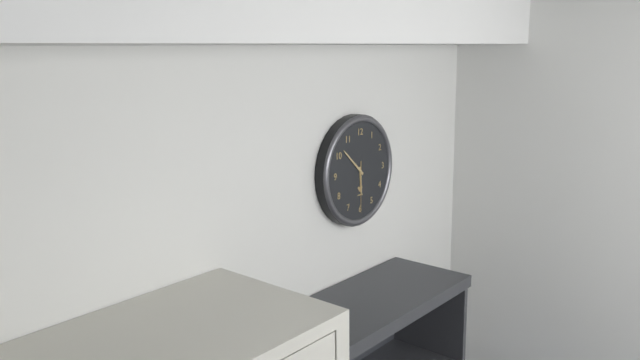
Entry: **5:52:30**
